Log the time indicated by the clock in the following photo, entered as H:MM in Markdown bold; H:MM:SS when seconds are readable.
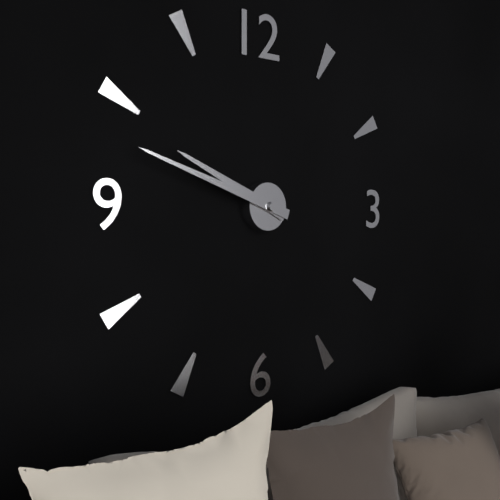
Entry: **9:48**
